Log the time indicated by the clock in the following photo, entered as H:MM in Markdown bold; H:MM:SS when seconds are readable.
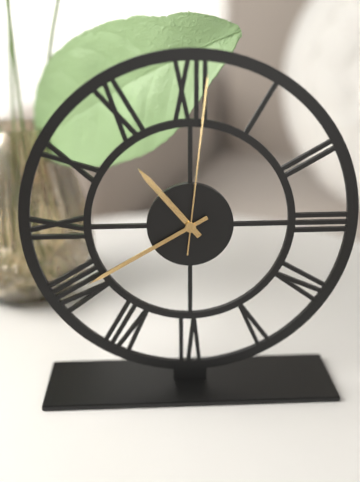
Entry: **10:40:01**
